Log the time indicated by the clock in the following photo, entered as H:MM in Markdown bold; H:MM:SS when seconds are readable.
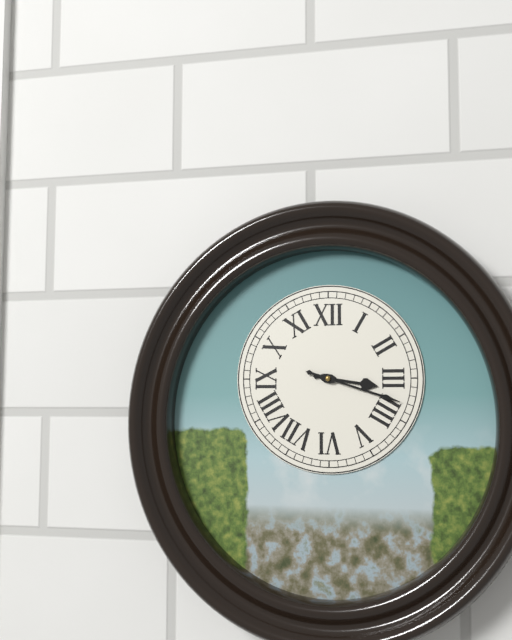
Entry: **3:18**
